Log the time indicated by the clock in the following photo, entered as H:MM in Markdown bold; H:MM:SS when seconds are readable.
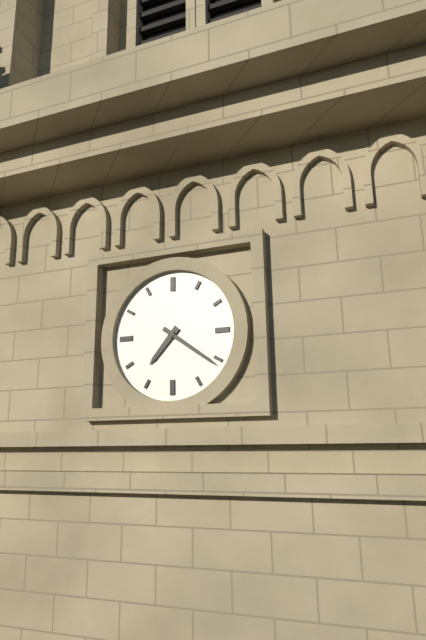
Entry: **7:21**
